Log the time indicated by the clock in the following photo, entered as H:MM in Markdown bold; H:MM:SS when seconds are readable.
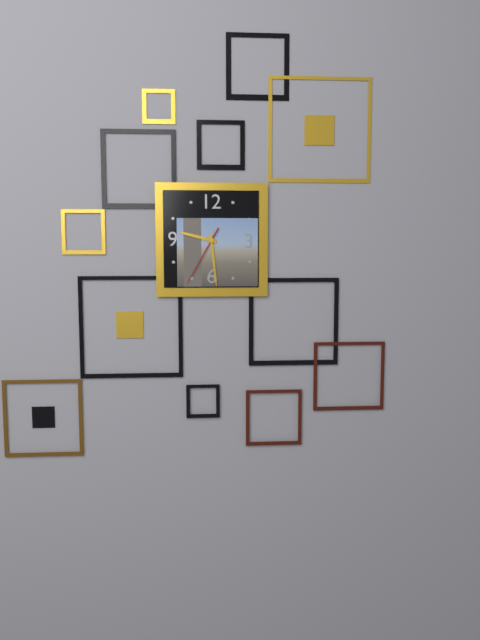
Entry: **9:29:35**
